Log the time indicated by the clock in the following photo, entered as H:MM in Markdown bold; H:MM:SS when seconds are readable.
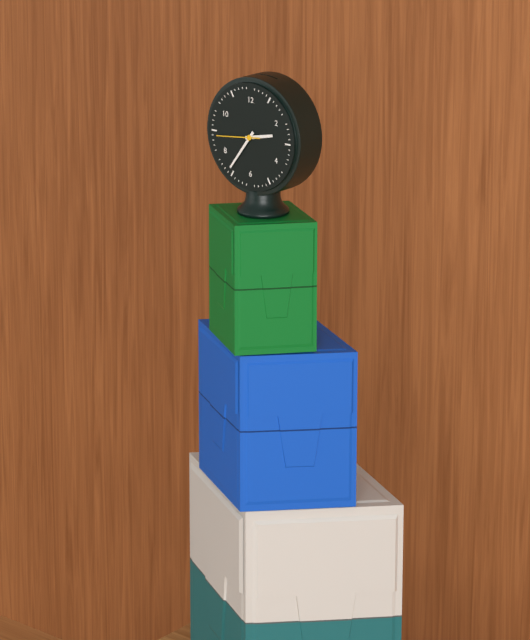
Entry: **2:36**
